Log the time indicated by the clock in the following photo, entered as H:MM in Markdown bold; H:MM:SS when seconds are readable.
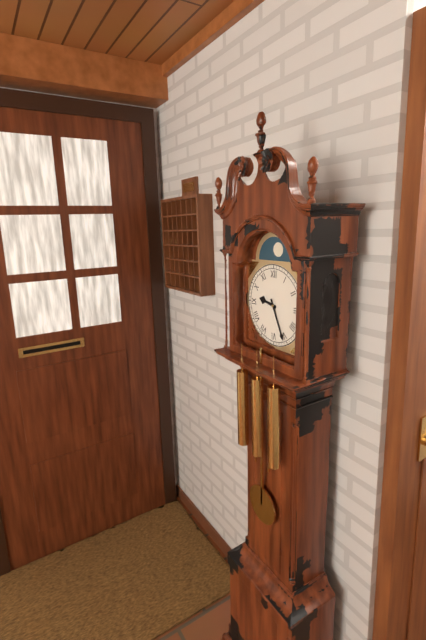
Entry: **9:26**
